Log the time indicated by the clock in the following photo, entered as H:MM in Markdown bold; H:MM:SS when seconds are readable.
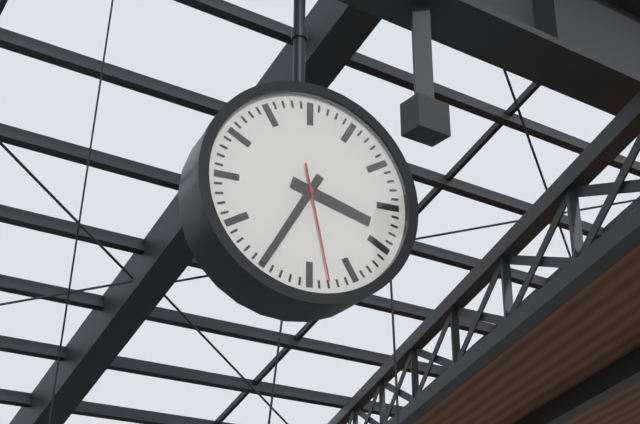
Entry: **3:35:28**
